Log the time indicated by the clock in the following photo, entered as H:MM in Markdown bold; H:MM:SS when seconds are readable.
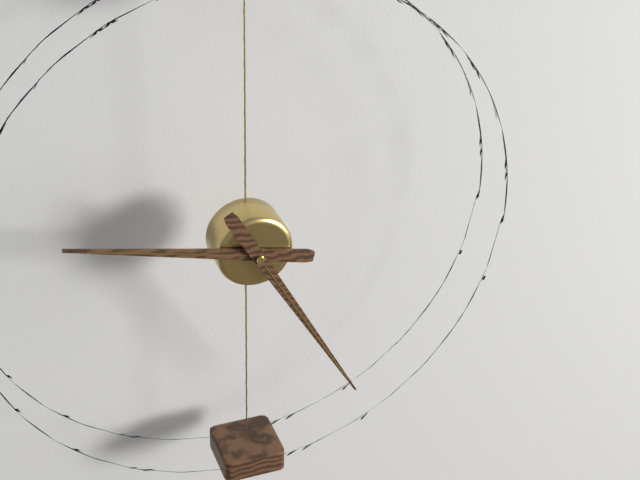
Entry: **9:25**
